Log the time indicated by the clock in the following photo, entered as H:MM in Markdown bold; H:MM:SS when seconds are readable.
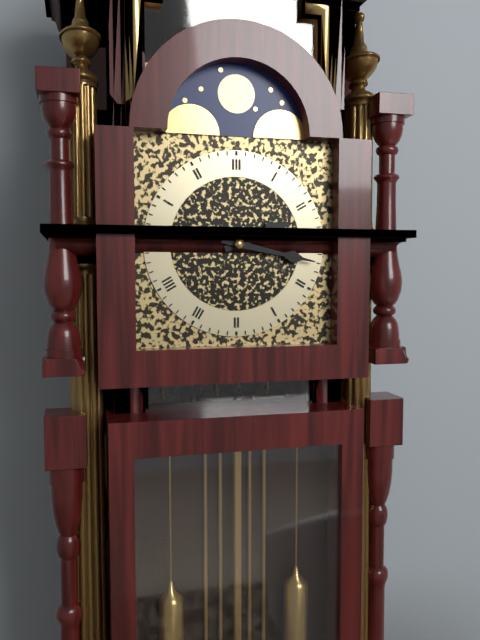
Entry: **2:17**
